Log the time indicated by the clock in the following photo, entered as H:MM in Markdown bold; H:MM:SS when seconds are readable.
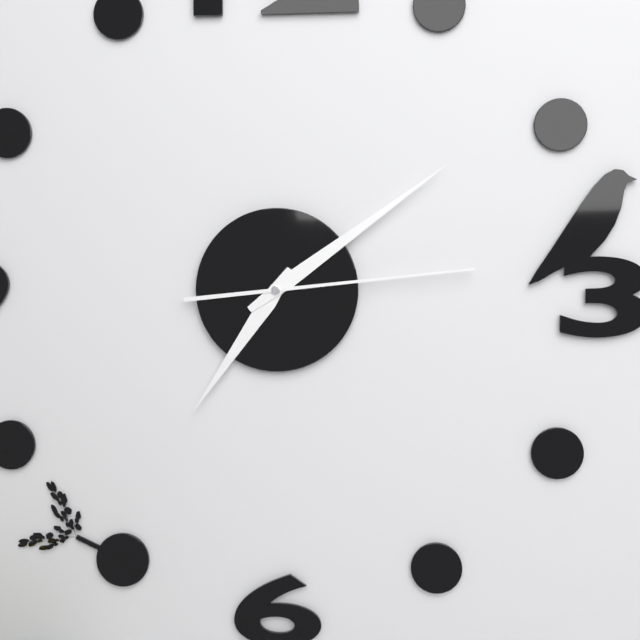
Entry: **7:09:14**
